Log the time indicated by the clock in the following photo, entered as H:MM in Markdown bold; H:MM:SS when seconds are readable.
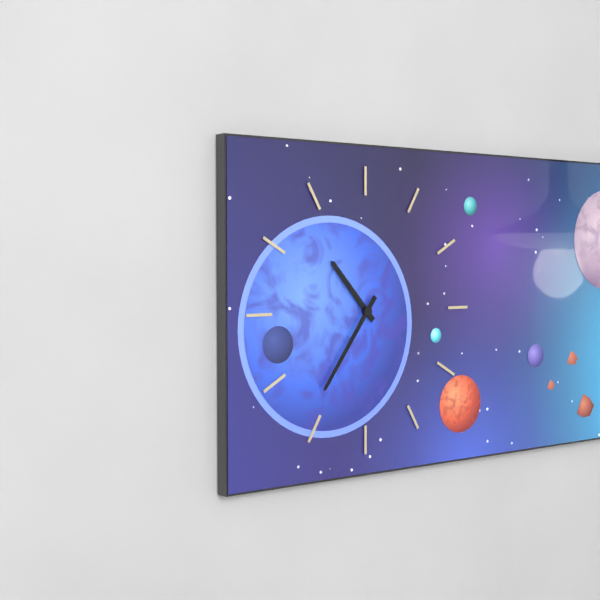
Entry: **10:36**
